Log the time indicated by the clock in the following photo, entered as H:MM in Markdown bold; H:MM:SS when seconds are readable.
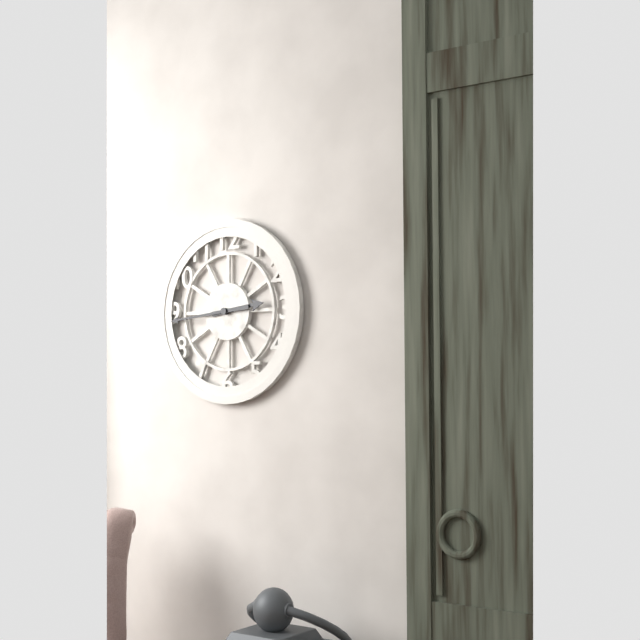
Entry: **2:44**
